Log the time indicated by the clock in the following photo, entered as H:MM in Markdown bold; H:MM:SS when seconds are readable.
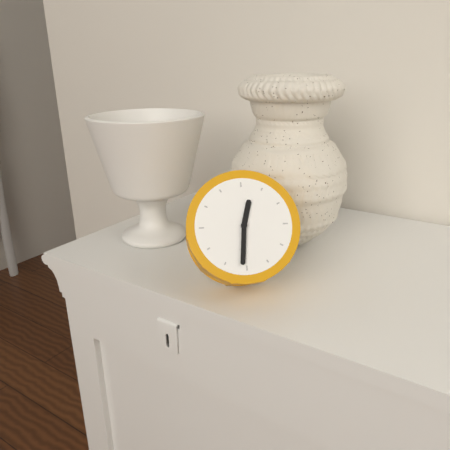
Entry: **12:31**
